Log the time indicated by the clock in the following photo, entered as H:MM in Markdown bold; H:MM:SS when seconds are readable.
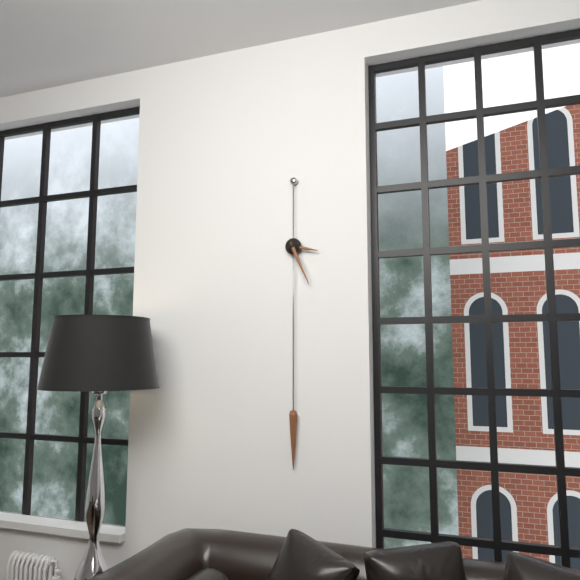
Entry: **3:26**
